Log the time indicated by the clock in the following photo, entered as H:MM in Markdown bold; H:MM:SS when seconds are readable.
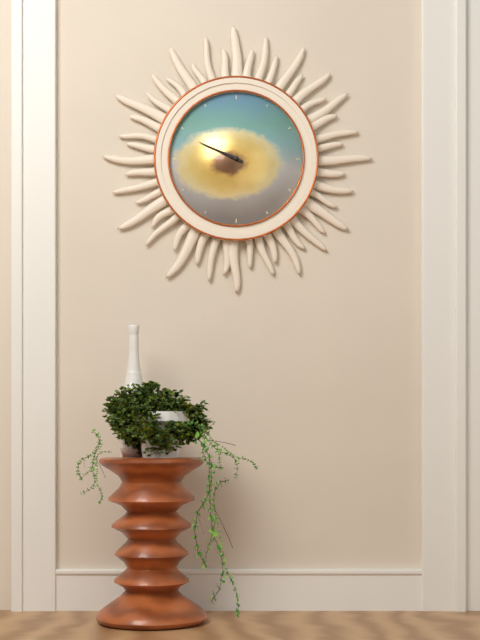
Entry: **9:49**
